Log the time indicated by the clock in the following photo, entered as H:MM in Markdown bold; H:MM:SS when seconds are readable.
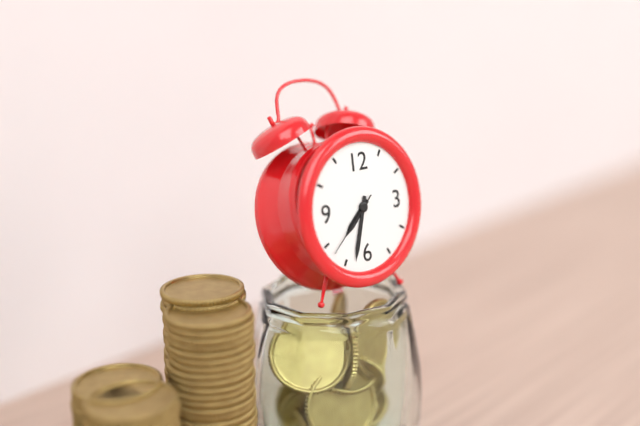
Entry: **7:33:38**
